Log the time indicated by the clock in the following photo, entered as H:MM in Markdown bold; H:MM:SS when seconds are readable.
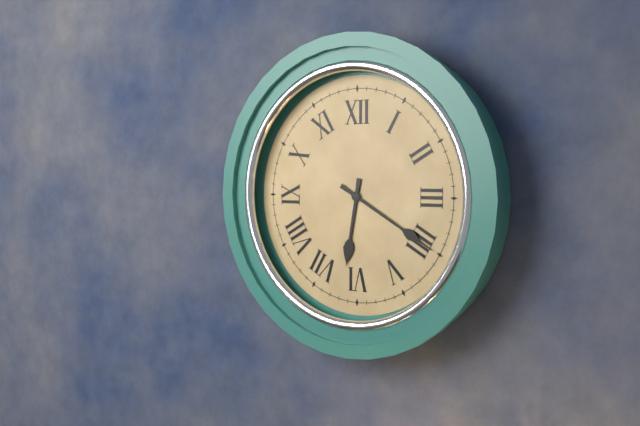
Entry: **6:20**
